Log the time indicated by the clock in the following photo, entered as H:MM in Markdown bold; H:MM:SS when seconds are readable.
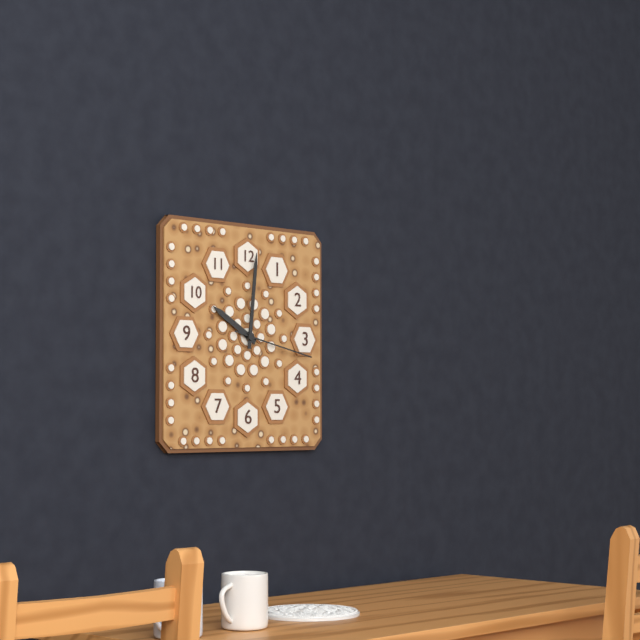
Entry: **10:01:17**
